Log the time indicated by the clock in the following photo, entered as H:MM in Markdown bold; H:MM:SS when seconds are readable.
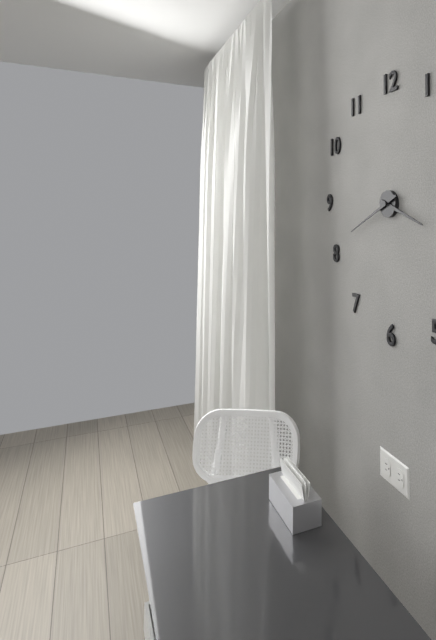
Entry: **3:41**
